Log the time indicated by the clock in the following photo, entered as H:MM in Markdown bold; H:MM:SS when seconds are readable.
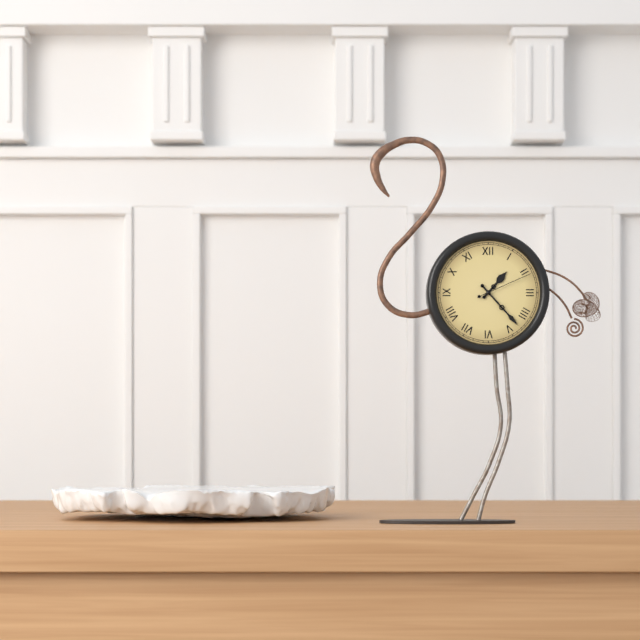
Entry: **1:23:11**
